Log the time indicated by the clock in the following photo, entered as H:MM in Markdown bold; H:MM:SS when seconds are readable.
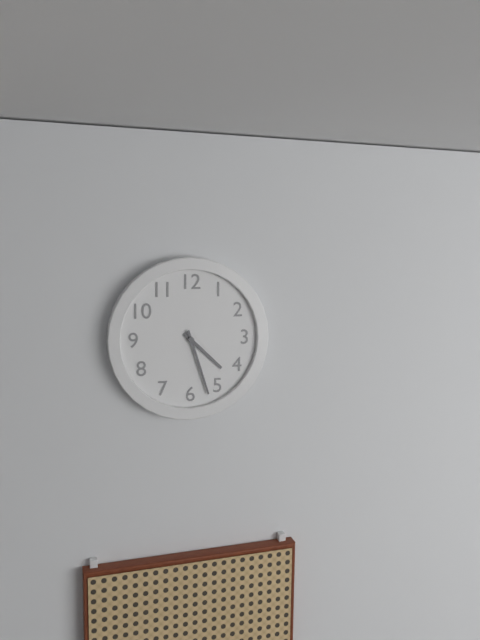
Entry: **4:27**
